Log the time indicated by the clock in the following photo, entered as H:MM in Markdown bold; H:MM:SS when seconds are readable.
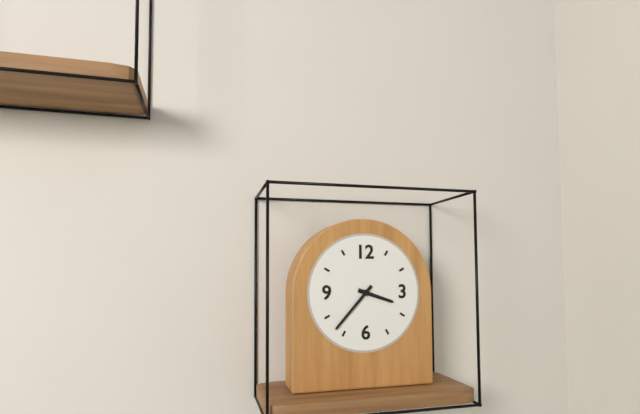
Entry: **3:37**
